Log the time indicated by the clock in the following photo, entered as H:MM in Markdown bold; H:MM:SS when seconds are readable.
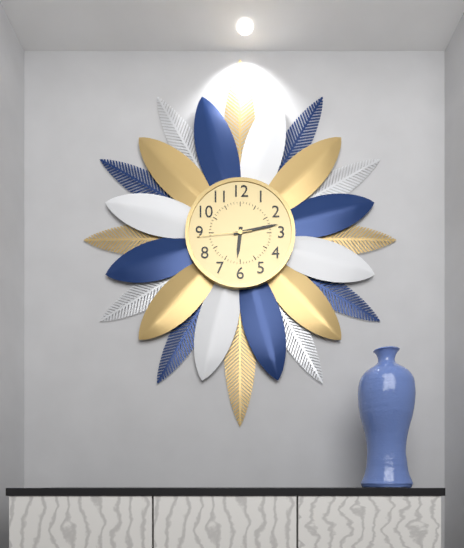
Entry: **6:13:44**
